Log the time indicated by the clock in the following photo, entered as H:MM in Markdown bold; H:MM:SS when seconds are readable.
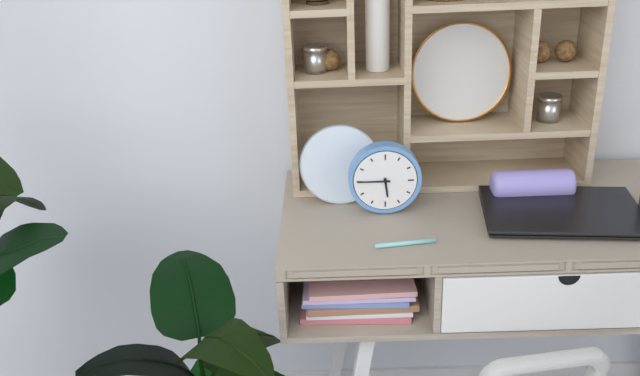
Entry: **5:45**
